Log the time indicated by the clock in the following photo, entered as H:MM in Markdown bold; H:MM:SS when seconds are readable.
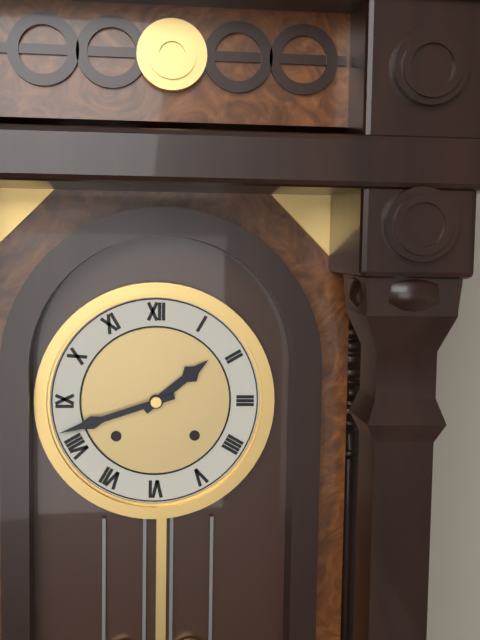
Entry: **1:42**
